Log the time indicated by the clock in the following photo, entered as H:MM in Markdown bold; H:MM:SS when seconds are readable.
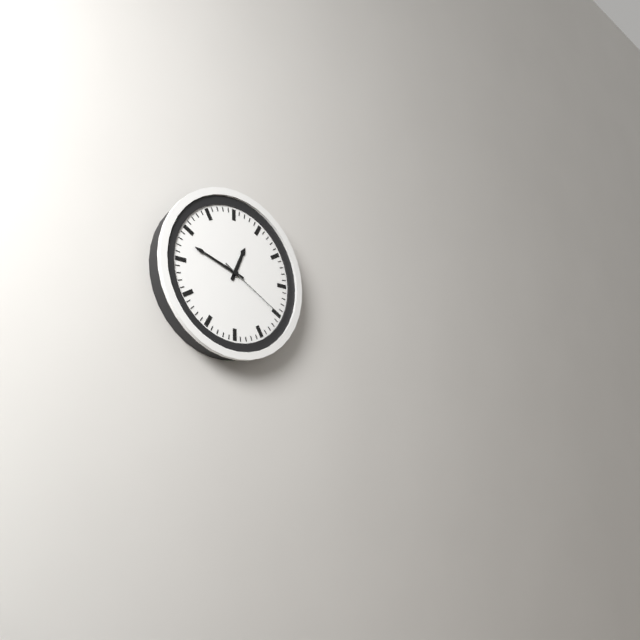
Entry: **12:48:20**
